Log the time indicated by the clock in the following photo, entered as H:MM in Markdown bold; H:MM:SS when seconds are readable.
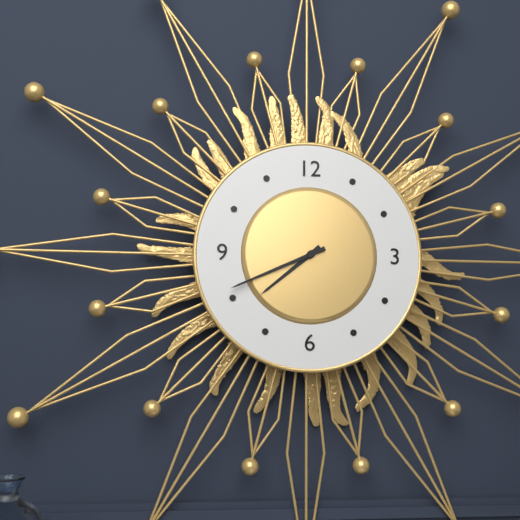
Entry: **7:41**
